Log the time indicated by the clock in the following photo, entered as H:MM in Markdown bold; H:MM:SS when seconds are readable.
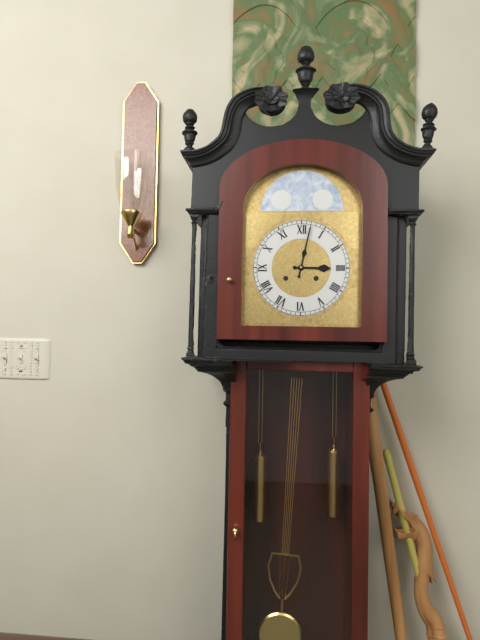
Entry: **3:02**
